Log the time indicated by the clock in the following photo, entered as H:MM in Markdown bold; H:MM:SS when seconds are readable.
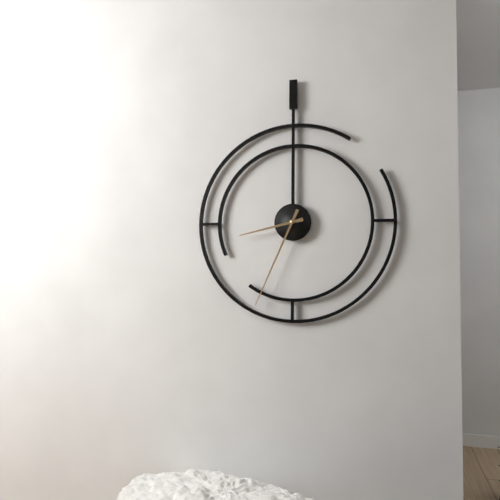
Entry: **8:34**
